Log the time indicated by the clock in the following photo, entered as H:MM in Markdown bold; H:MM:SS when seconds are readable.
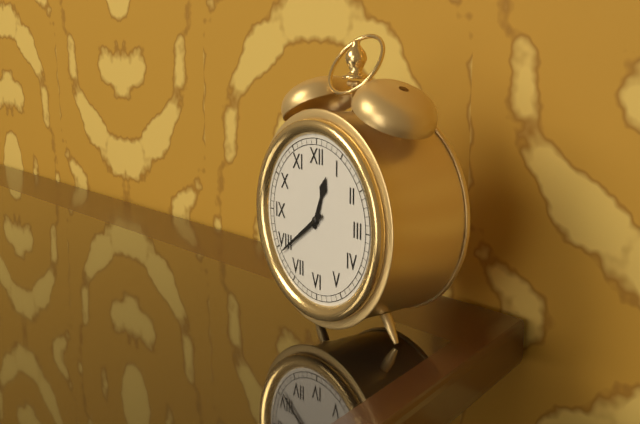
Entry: **12:39**
